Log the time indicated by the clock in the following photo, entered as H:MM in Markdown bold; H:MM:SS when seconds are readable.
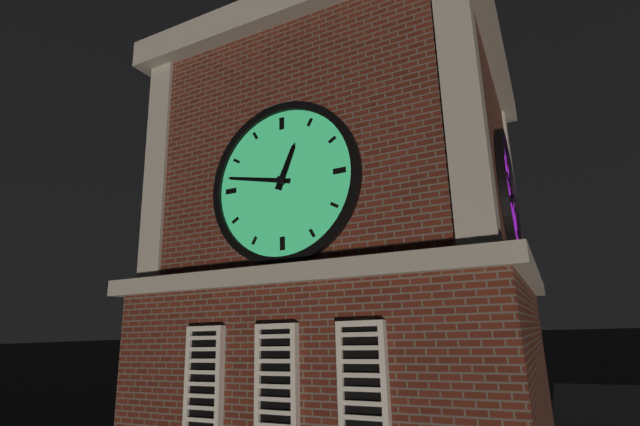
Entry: **12:47**
